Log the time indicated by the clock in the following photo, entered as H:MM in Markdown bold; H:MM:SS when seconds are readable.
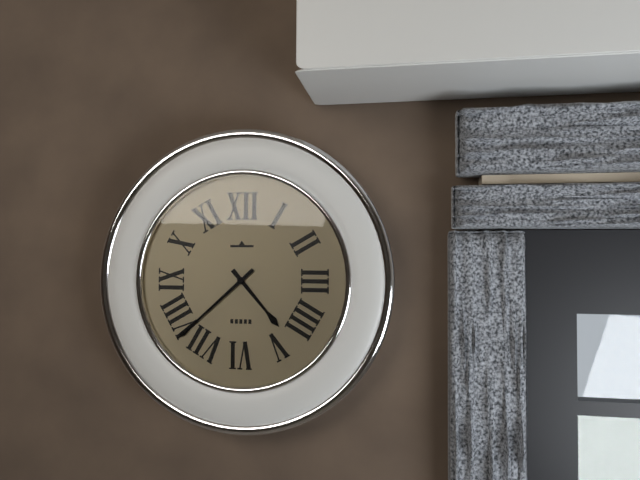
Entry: **4:38**
